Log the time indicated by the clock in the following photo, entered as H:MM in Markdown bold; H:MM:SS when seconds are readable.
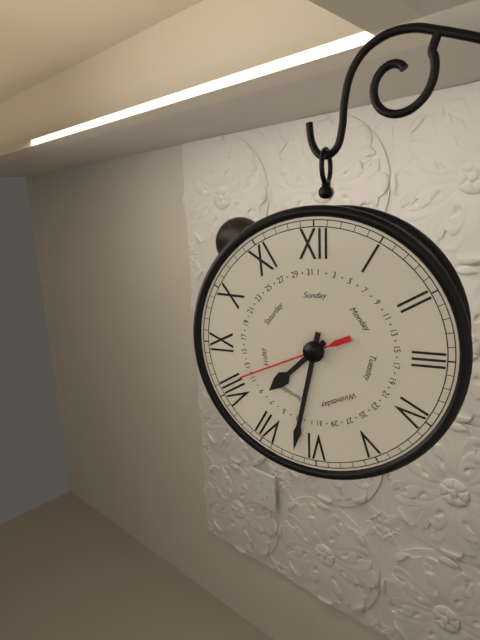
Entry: **7:32:41**
